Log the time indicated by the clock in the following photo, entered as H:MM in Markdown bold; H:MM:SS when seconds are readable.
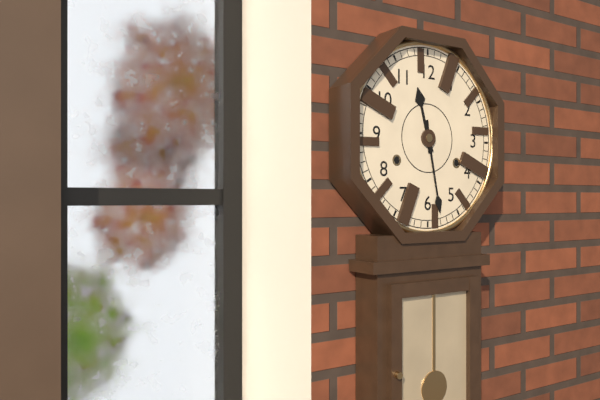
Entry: **11:28**
